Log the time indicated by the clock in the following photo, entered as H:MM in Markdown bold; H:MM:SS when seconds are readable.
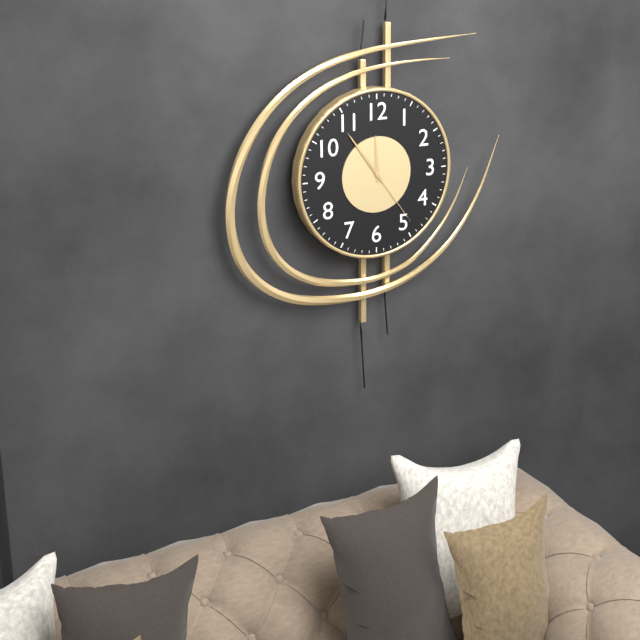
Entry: **11:54:24**
